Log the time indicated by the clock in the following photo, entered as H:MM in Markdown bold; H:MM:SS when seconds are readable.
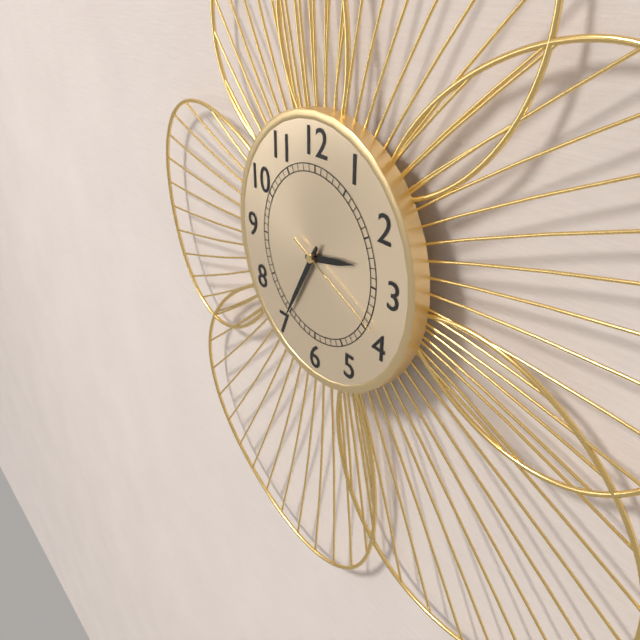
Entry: **2:35:19**
